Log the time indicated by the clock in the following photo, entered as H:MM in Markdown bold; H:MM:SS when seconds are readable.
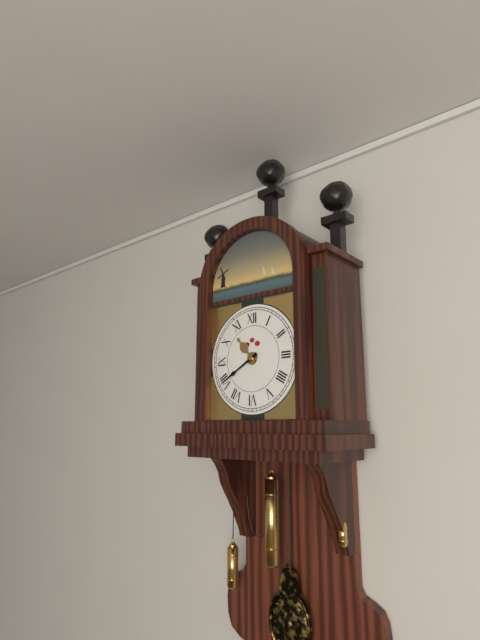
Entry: **10:40**
